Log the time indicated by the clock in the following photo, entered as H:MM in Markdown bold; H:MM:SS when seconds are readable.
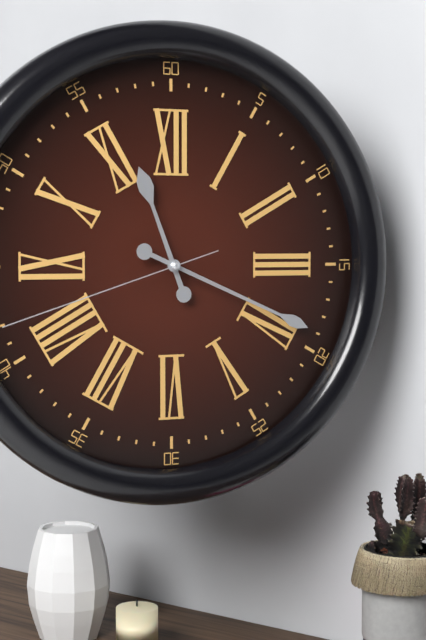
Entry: **11:19:42**
